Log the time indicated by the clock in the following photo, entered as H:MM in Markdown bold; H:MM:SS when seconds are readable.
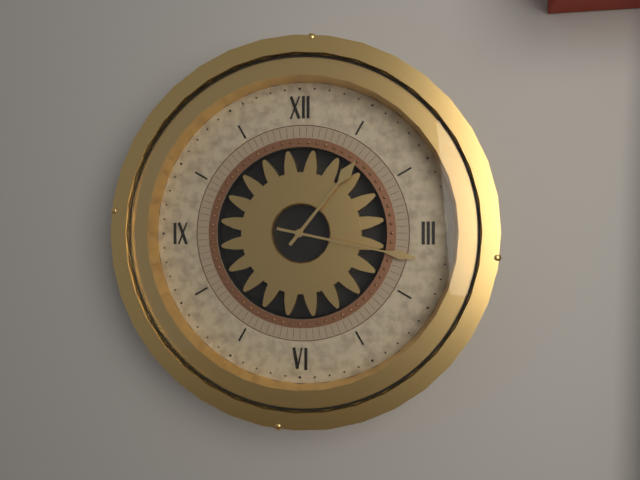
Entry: **1:17**
